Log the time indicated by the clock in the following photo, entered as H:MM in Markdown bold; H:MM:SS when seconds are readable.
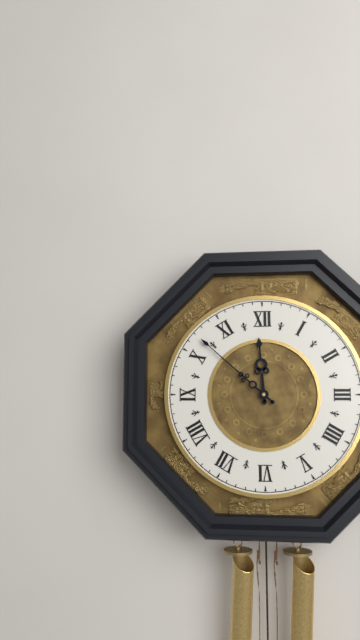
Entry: **11:52**
